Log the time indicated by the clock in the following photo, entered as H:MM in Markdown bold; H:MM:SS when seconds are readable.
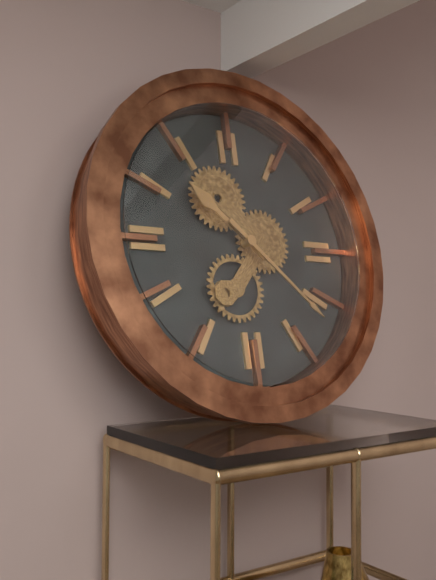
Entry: **10:22**
